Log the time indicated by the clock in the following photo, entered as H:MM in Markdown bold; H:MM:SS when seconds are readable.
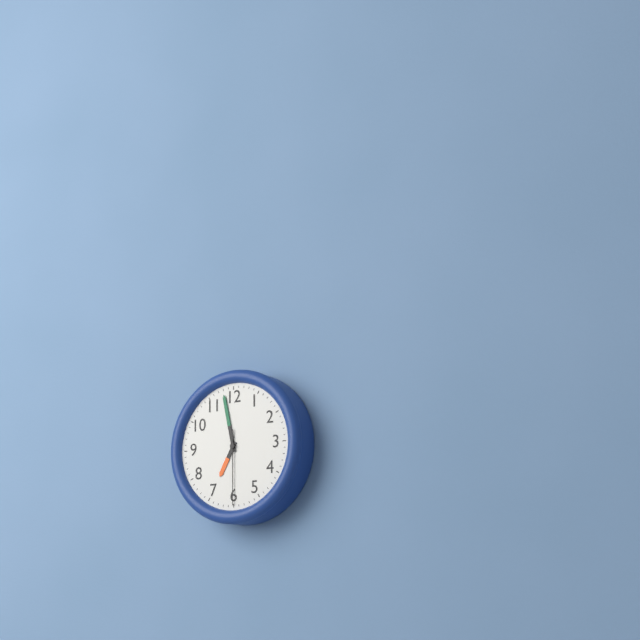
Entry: **6:58:30**
